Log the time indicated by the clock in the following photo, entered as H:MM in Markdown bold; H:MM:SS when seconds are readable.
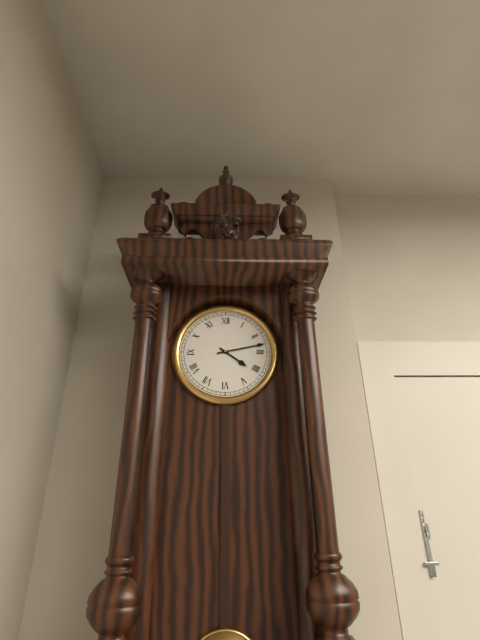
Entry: **4:13**
